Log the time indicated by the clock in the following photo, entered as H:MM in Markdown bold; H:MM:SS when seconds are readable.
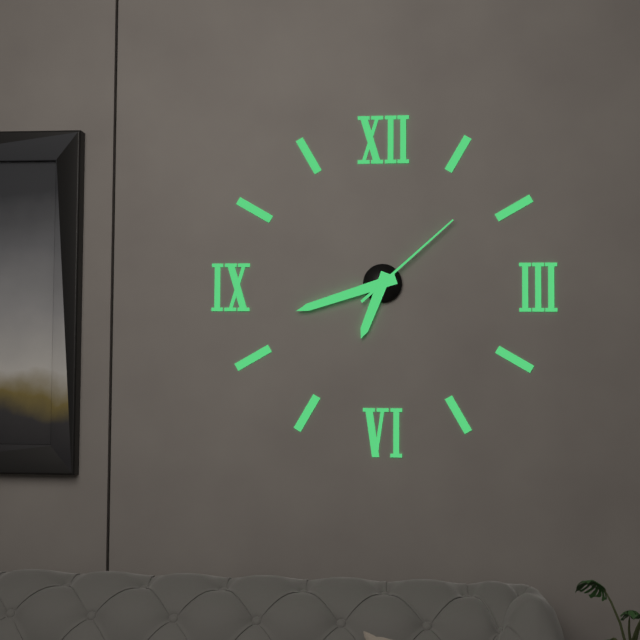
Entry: **6:42:08**
